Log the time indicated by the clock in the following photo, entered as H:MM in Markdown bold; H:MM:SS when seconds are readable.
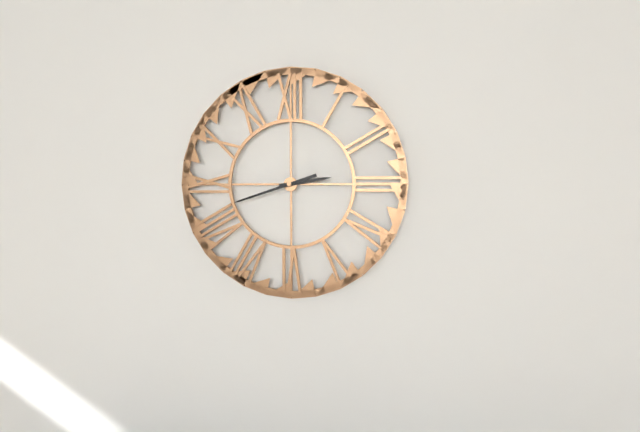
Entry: **2:42**
